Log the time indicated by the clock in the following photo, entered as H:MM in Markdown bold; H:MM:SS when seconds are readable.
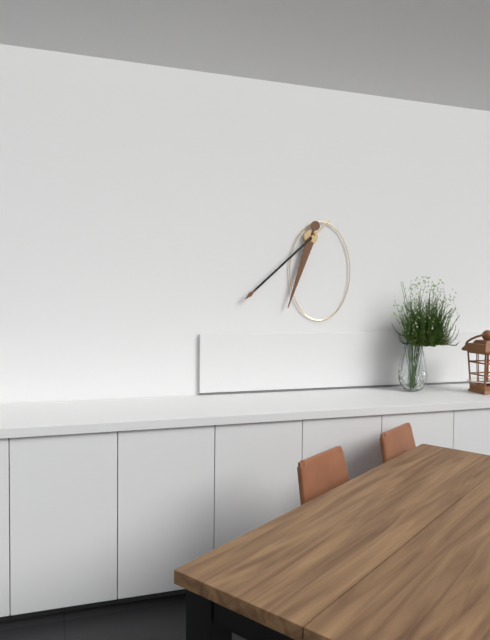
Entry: **6:38**
